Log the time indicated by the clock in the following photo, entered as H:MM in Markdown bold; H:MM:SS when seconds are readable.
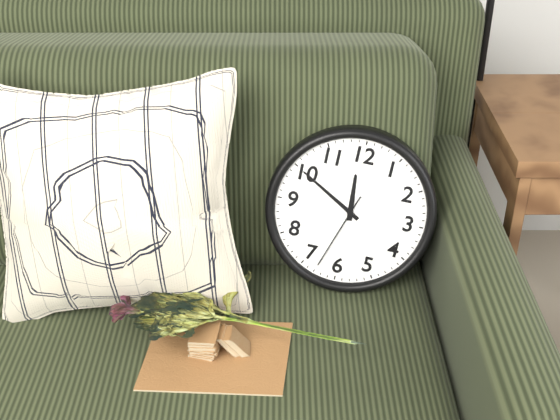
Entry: **11:50:33**
